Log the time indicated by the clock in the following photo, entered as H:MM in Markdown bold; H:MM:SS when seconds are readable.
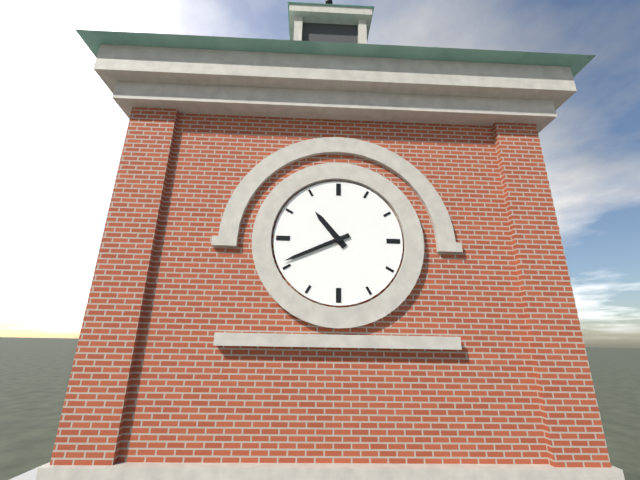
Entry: **10:41**
